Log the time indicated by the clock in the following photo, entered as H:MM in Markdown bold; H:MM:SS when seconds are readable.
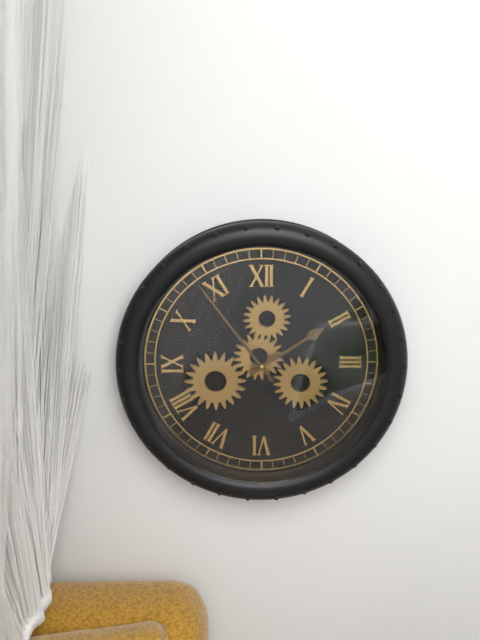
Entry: **1:54**
